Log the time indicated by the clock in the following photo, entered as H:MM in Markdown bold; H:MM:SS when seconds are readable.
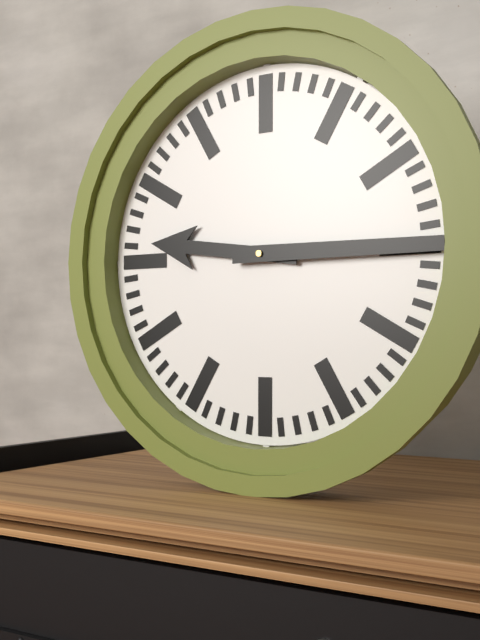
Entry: **9:15**
